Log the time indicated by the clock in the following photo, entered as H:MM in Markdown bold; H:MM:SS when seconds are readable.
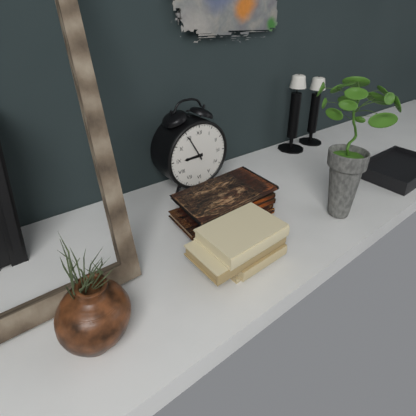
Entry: **8:55**
